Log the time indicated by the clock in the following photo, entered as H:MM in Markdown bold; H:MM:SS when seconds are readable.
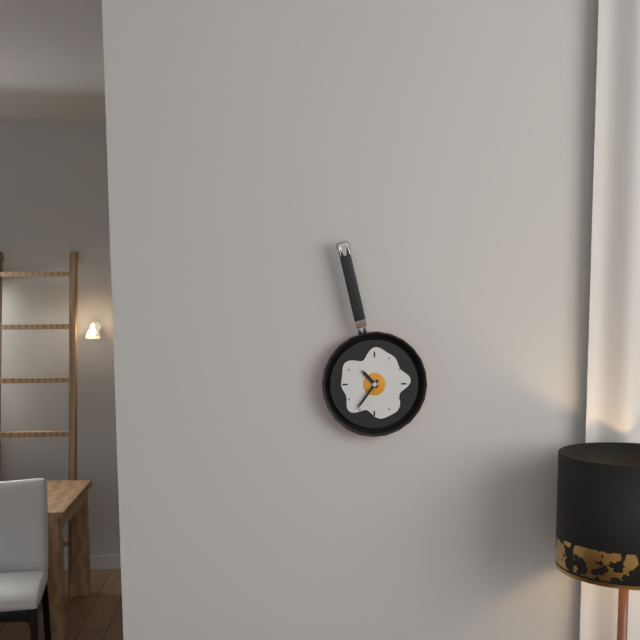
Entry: **10:36**
